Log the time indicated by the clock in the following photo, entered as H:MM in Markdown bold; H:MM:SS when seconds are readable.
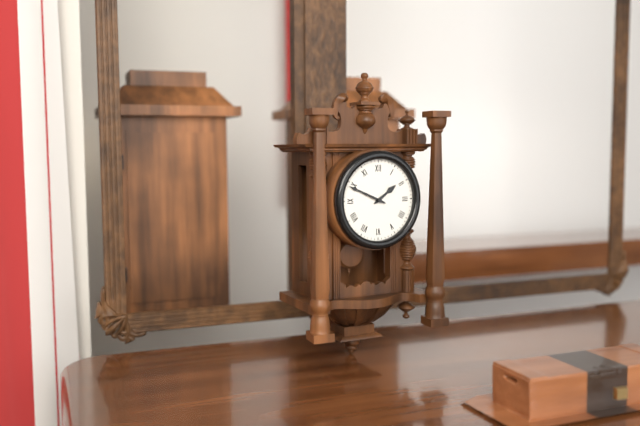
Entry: **1:49**
